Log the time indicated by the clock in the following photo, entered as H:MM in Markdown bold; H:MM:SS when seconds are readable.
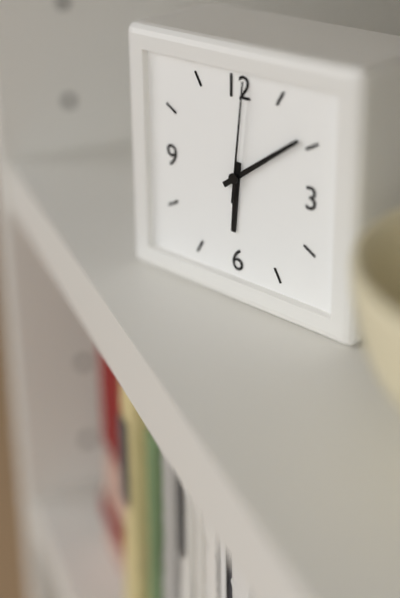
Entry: **6:09:01**
